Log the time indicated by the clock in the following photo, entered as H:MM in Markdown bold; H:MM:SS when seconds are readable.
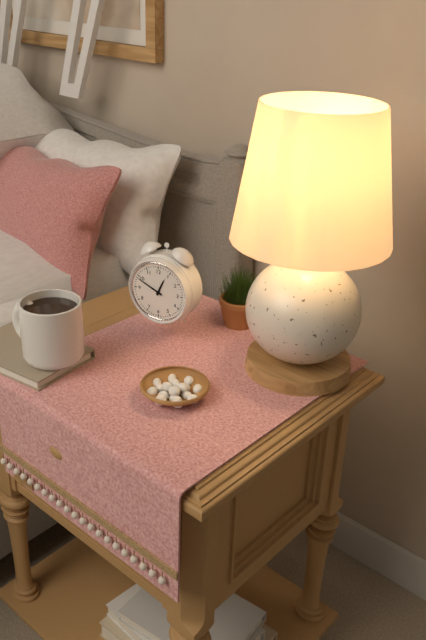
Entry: **12:49**
